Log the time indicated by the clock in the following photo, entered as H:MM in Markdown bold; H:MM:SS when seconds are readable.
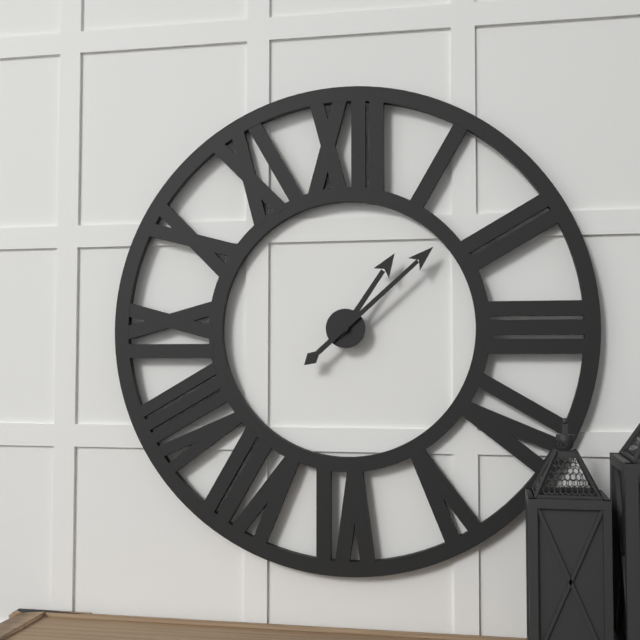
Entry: **1:08**
